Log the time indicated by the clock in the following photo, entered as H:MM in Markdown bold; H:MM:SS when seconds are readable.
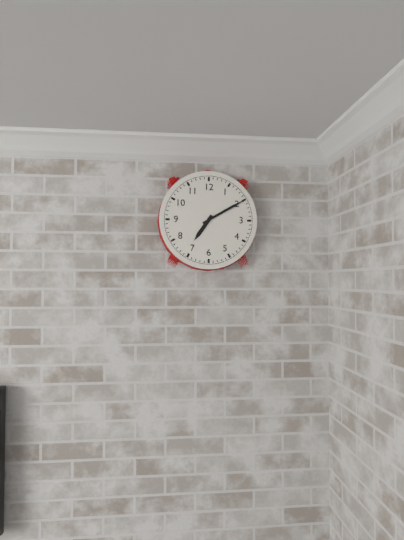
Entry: **7:10**
